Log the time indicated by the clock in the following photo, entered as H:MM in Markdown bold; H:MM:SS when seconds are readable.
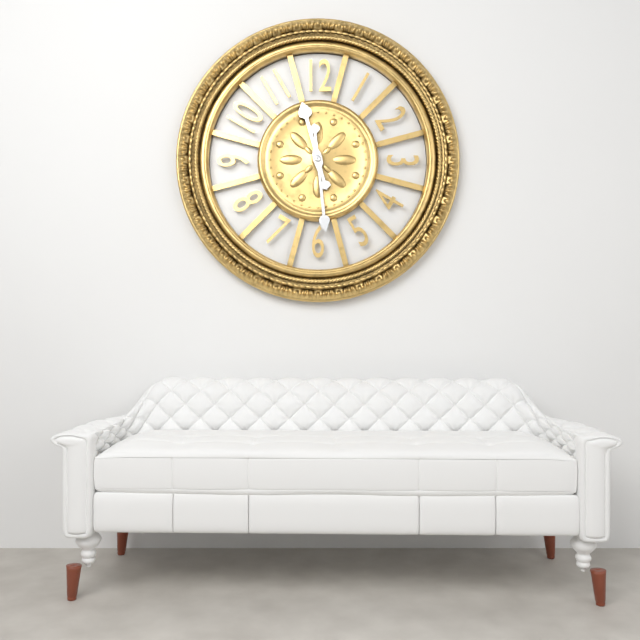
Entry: **11:29**
